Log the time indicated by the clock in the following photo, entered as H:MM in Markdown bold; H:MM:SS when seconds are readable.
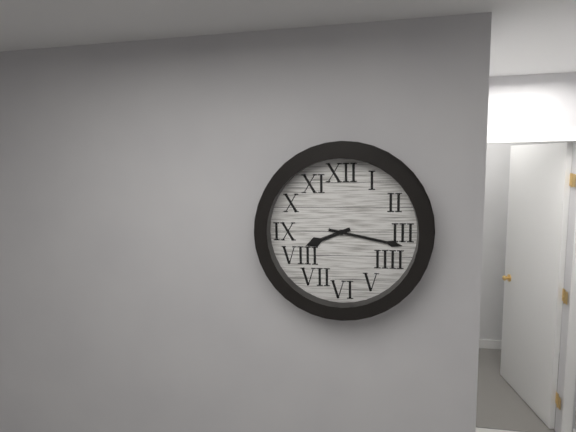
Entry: **8:17**
